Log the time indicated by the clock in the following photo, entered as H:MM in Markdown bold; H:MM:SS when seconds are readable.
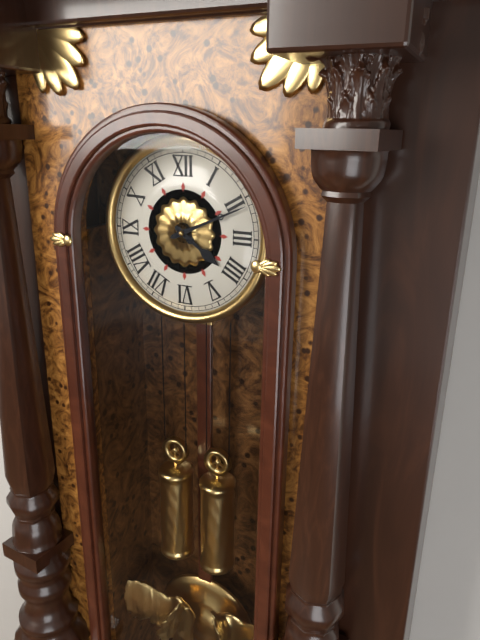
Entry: **4:11**
